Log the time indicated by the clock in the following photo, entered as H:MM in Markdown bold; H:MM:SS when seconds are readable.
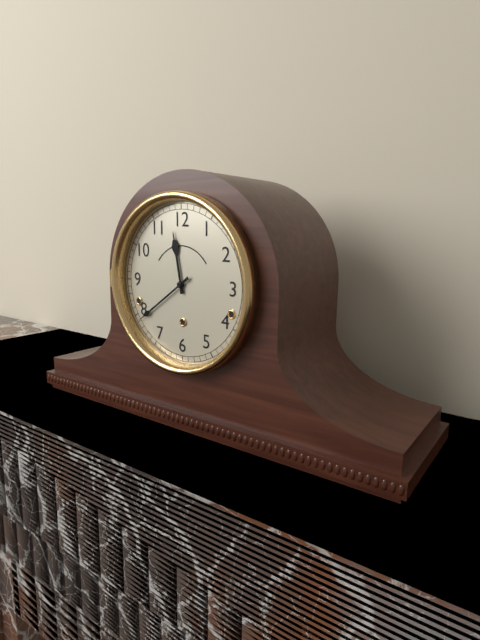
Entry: **11:39**
